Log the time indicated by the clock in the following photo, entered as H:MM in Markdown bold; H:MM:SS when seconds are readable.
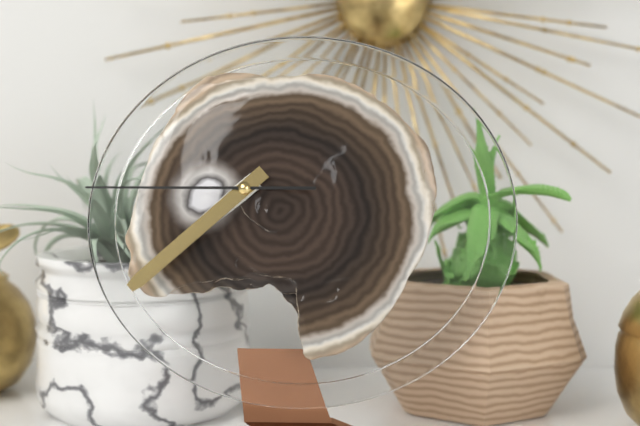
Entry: **7:38:45**
